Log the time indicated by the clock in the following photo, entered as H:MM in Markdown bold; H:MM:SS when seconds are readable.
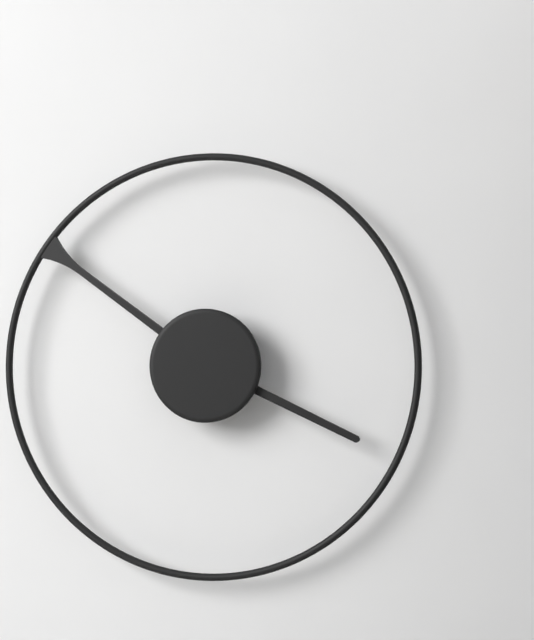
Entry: **3:51**
